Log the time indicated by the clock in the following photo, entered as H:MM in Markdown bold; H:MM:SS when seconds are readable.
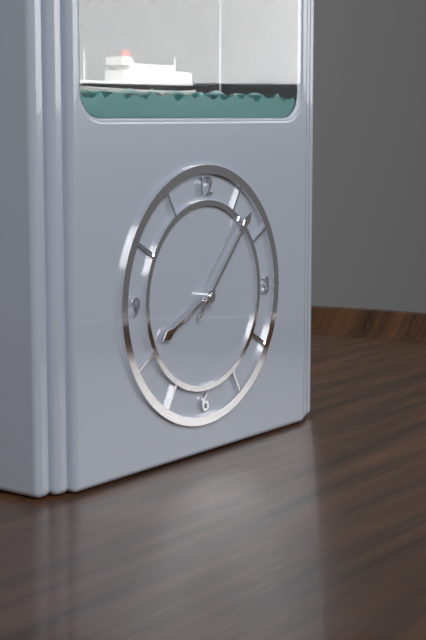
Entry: **8:07**
